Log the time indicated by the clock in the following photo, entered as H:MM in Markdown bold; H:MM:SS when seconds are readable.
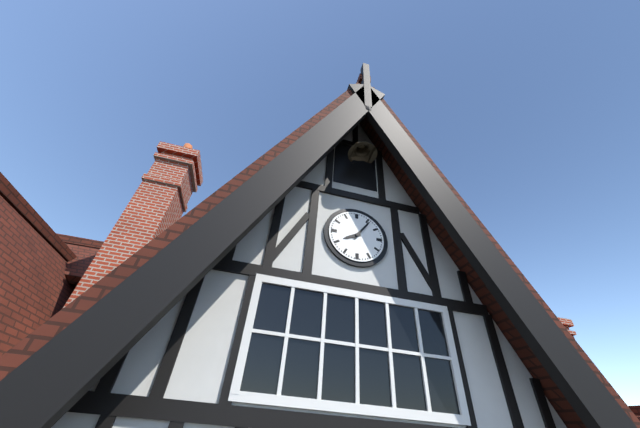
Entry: **8:06**
